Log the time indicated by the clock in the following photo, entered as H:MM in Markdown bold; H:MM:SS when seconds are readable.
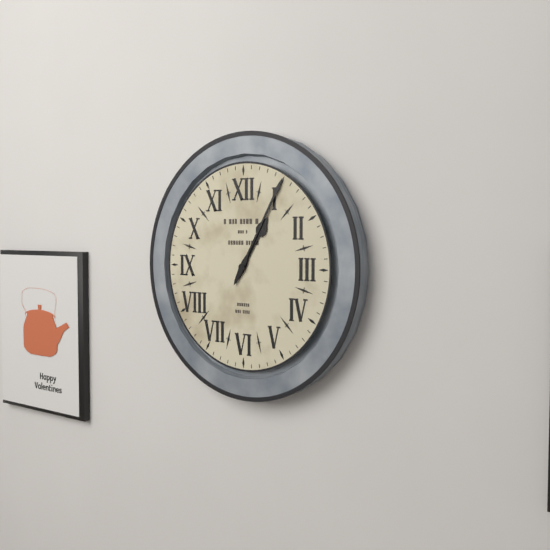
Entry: **1:05**
